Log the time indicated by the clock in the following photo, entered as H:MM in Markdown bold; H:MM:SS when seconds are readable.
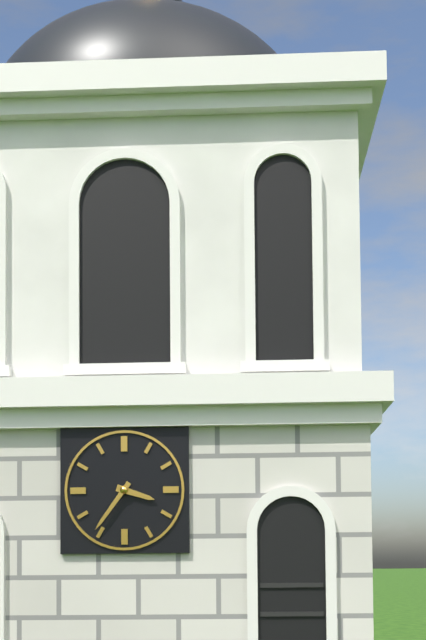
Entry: **3:36**
